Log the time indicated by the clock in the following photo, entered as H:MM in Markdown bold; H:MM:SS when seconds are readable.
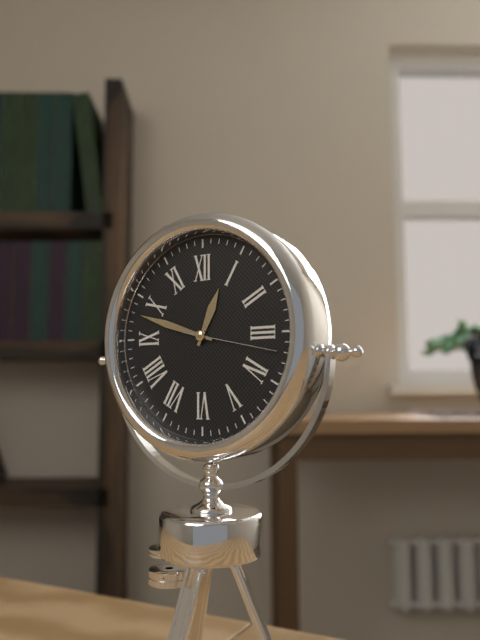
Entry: **12:48:17**
